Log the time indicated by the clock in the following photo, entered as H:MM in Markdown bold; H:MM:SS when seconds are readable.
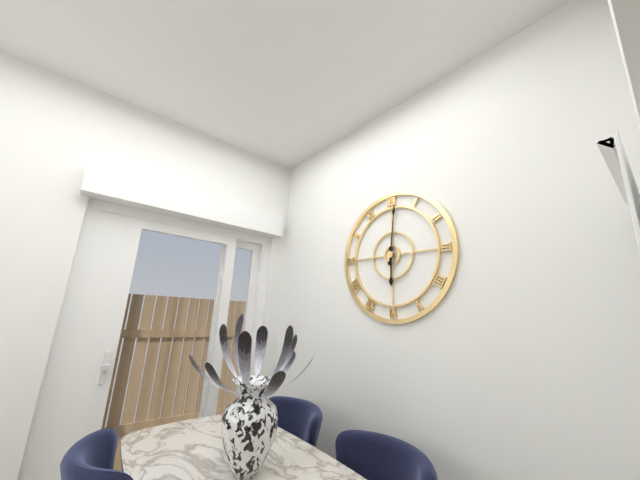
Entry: **6:01**
